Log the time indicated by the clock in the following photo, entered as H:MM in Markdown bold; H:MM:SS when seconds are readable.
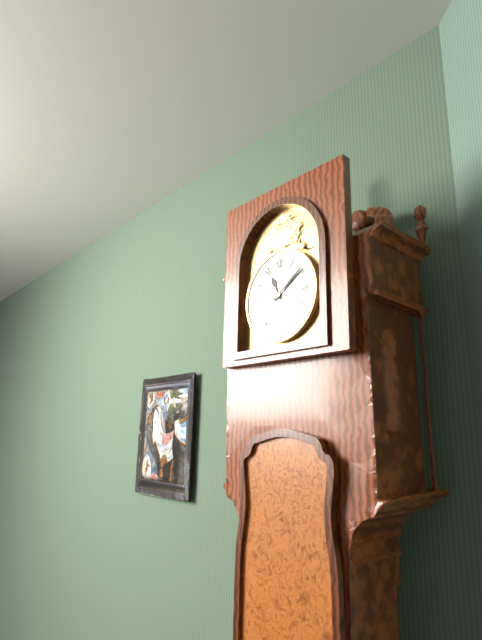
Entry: **11:09**
